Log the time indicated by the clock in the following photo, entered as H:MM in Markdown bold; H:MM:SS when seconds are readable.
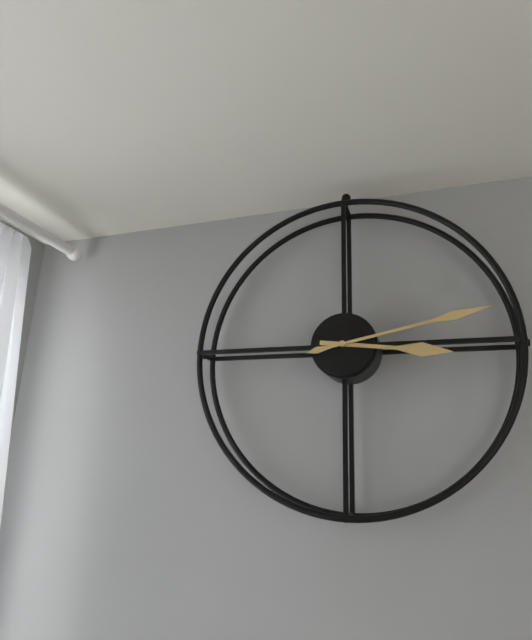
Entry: **3:13**
